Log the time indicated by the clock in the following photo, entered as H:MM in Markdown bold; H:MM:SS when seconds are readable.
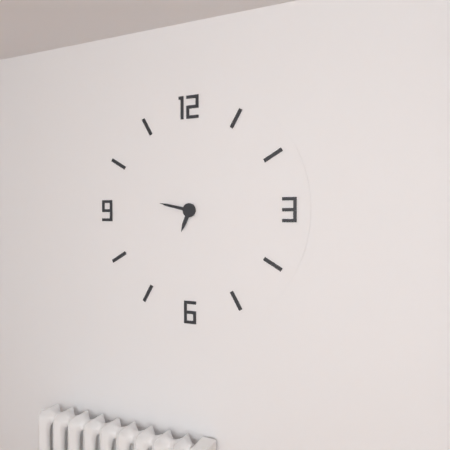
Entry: **6:47**
